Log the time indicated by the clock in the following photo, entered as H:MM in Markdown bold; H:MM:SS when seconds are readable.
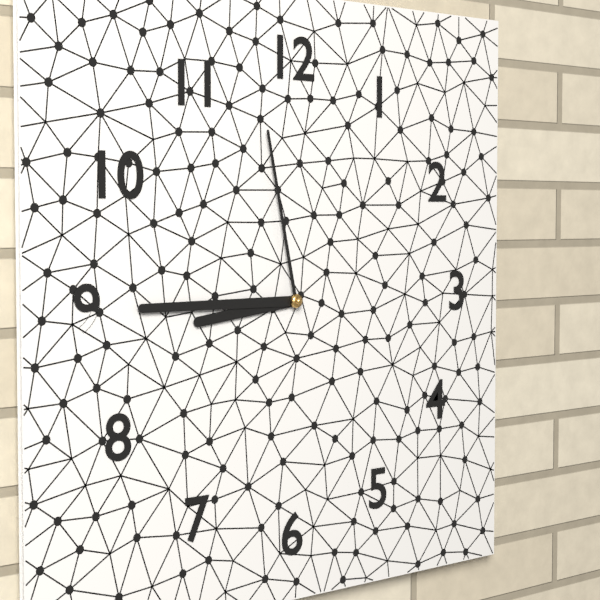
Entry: **8:45:58**
